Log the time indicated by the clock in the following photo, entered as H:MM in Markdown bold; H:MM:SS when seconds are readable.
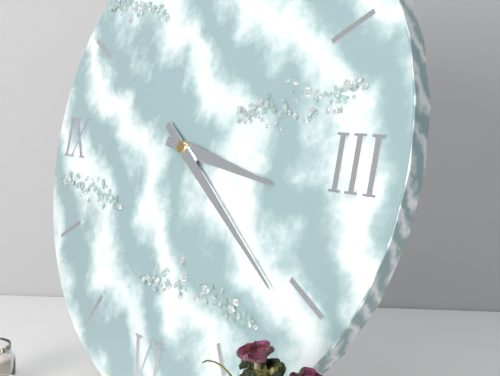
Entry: **3:21**
